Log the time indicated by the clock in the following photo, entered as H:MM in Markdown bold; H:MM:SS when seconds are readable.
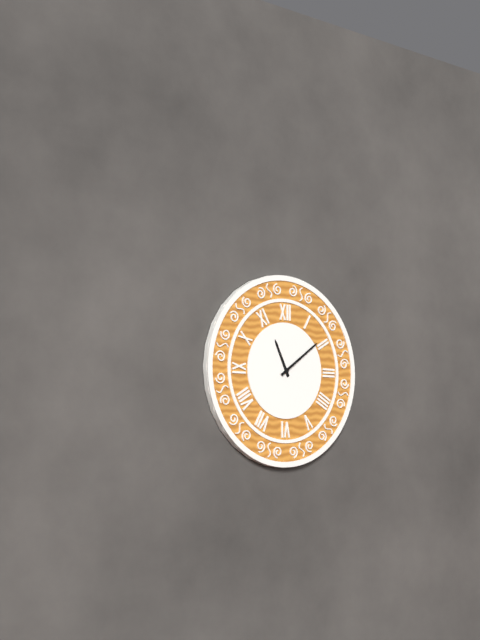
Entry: **11:09**
